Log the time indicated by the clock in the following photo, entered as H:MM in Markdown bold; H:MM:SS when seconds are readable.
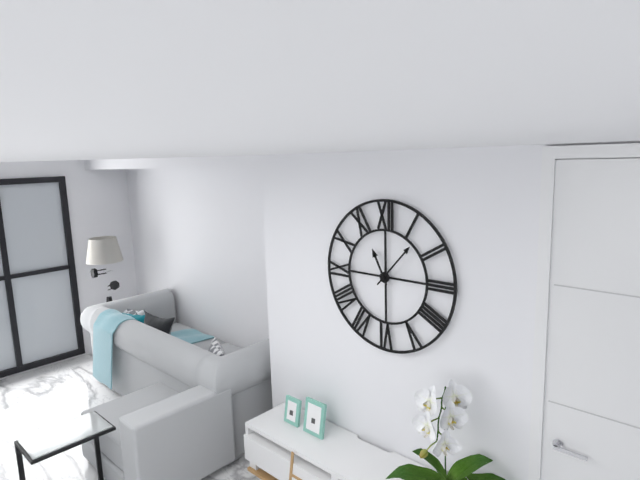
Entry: **11:07**
